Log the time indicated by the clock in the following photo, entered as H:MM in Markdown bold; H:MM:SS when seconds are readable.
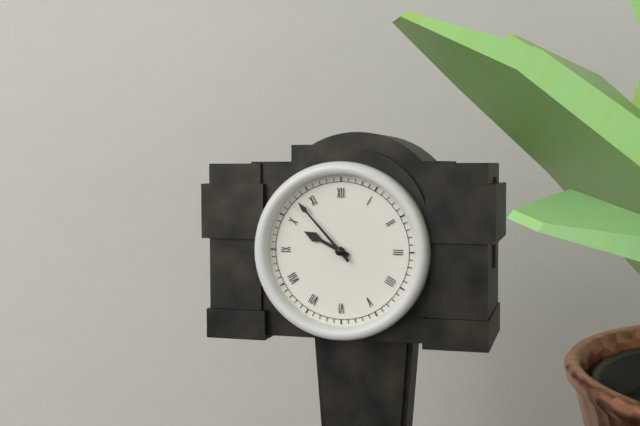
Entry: **9:53**
